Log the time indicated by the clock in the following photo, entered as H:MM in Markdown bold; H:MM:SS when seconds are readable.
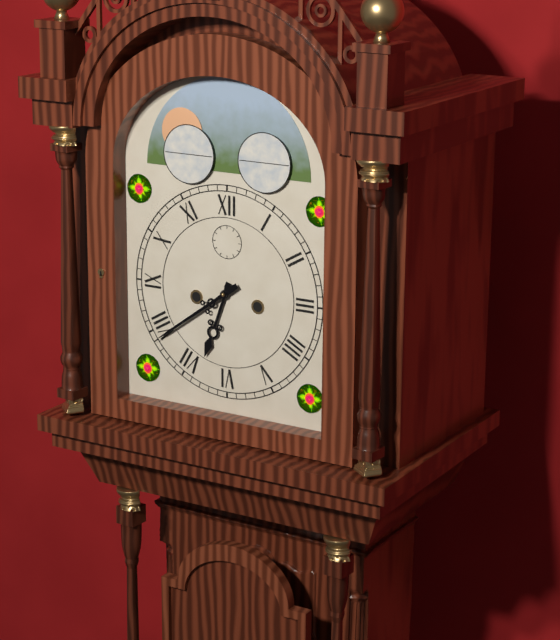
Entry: **6:39**
